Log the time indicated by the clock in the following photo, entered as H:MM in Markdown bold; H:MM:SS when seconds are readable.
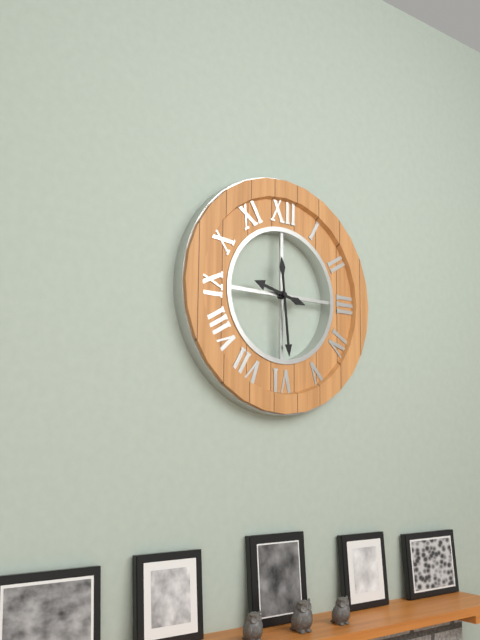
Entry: **9:29**
